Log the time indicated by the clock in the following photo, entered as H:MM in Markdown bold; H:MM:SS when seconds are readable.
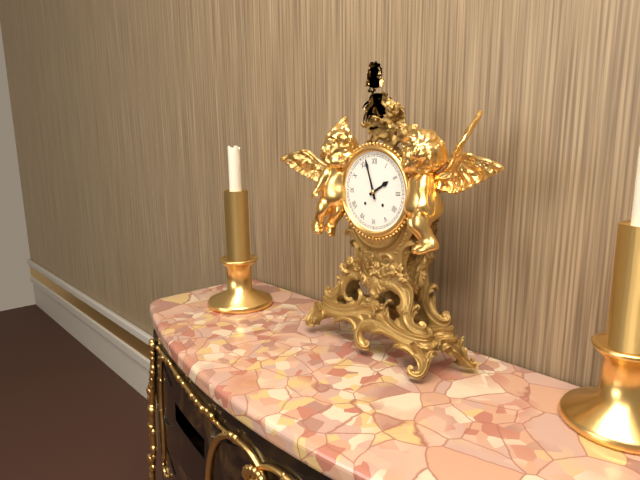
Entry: **1:57**
